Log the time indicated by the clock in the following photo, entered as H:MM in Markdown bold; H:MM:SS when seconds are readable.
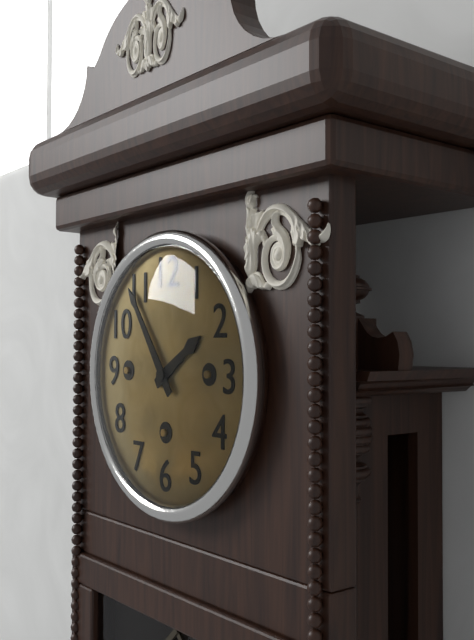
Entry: **1:54**
